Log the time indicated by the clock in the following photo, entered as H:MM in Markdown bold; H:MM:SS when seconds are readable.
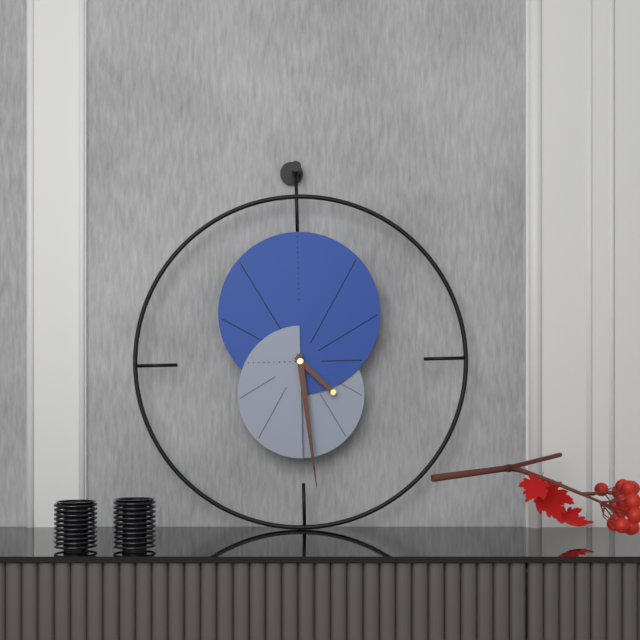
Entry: **4:29**
